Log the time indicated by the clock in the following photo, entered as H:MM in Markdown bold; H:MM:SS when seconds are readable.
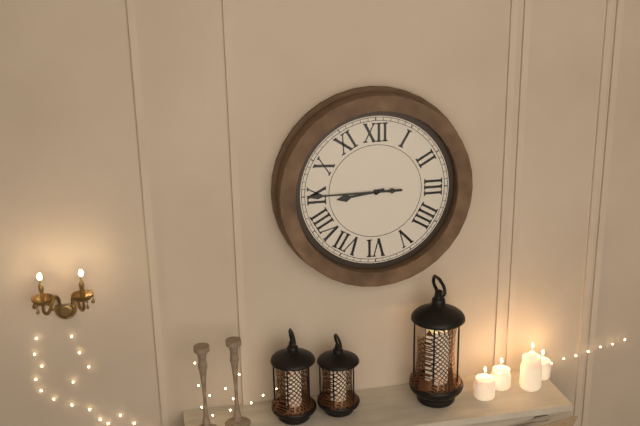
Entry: **8:45**
